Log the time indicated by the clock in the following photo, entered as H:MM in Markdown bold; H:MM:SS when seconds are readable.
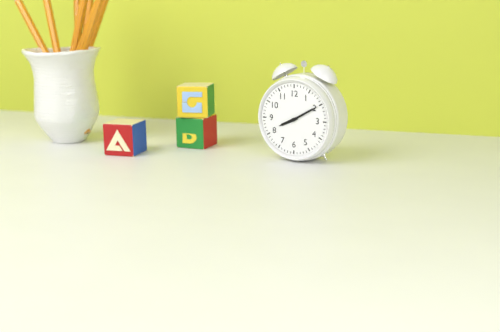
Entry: **8:10**
